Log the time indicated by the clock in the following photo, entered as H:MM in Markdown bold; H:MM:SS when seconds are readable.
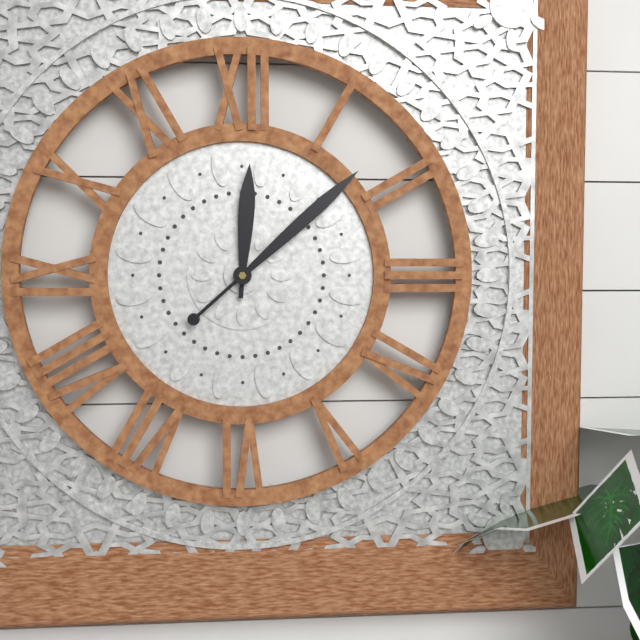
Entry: **12:08**
